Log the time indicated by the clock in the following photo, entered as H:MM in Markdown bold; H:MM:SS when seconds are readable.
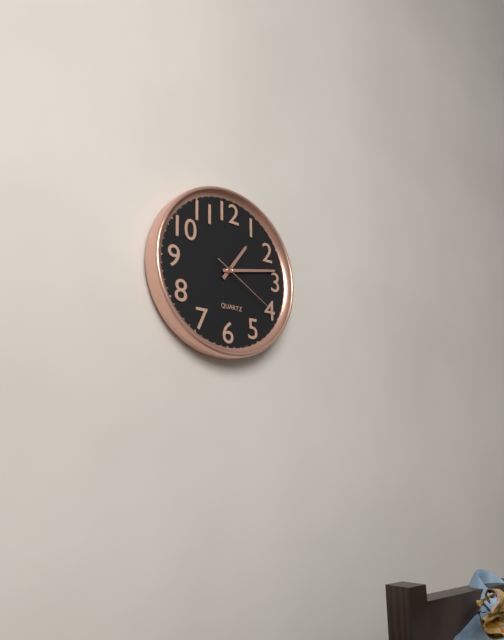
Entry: **1:13:20**
